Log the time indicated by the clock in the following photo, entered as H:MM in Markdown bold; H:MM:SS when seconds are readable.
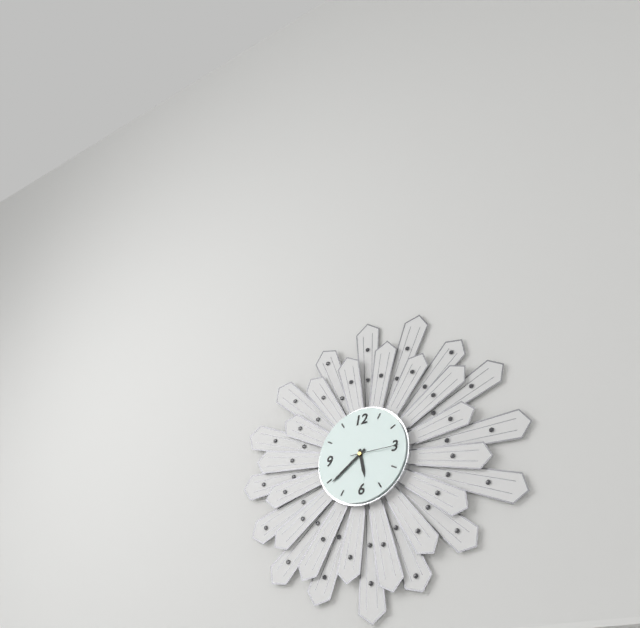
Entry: **5:39**
